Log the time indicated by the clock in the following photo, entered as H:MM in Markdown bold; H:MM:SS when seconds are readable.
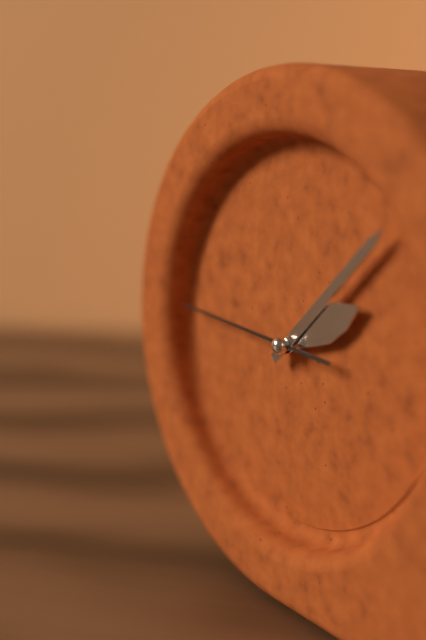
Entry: **2:08:46**
